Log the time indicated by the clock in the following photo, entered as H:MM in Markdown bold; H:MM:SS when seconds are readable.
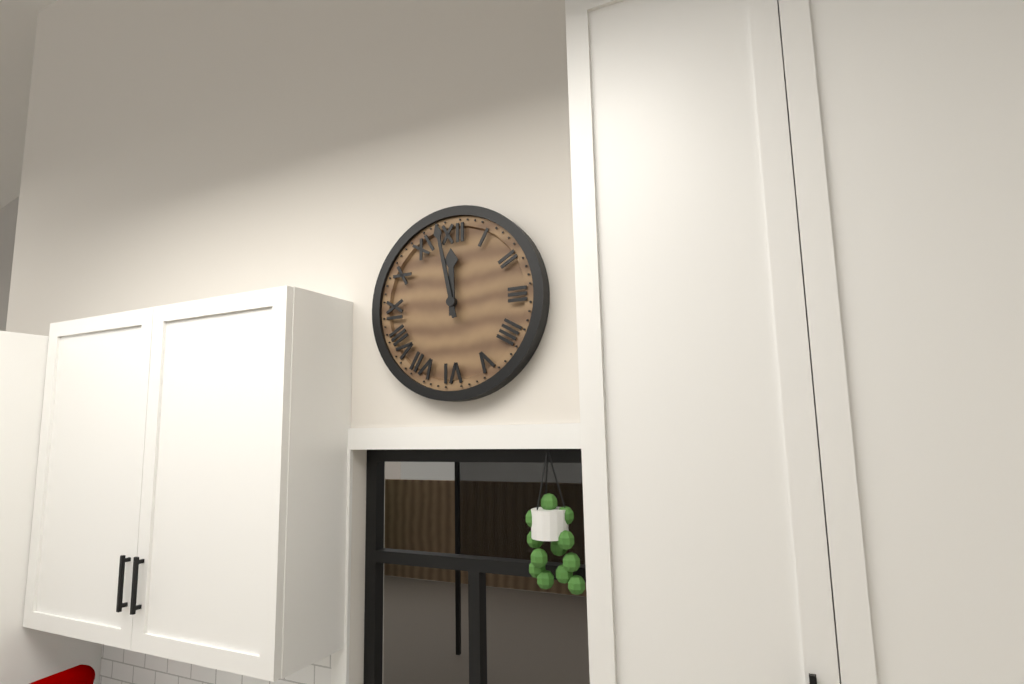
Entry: **11:58**
